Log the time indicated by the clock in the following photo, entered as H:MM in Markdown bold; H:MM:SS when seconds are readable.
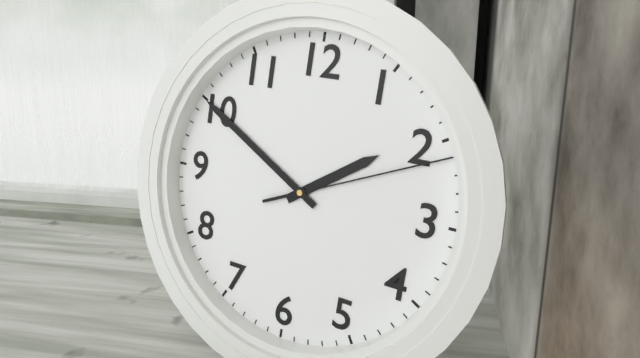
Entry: **1:50:11**
